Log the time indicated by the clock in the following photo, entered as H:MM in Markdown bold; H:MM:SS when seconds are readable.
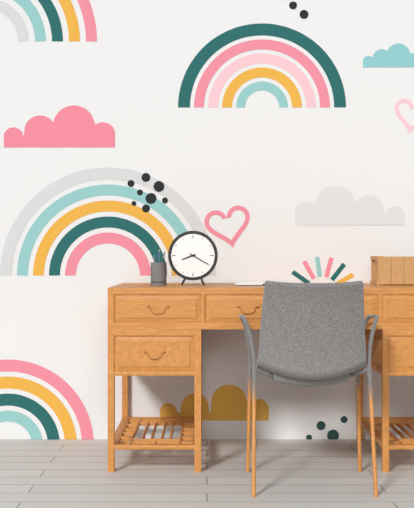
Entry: **8:20**
